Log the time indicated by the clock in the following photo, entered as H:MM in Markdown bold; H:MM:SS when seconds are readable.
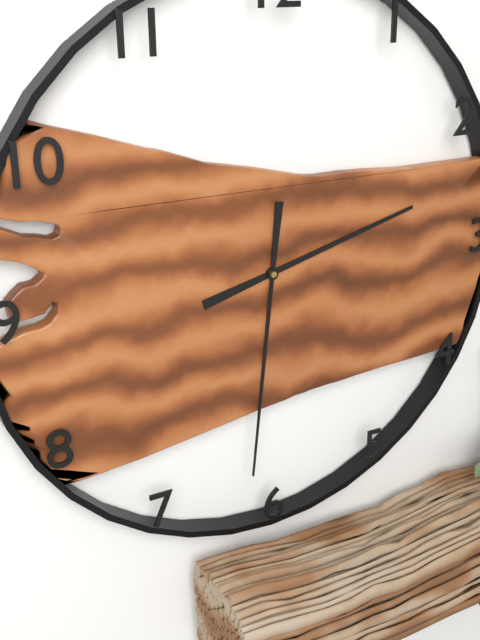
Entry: **2:31**
